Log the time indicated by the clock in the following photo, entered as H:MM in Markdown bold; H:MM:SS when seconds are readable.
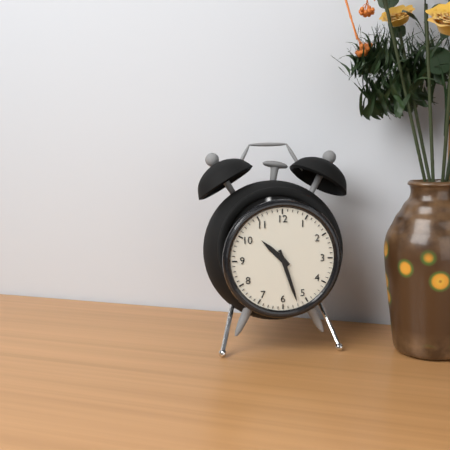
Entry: **10:27**
